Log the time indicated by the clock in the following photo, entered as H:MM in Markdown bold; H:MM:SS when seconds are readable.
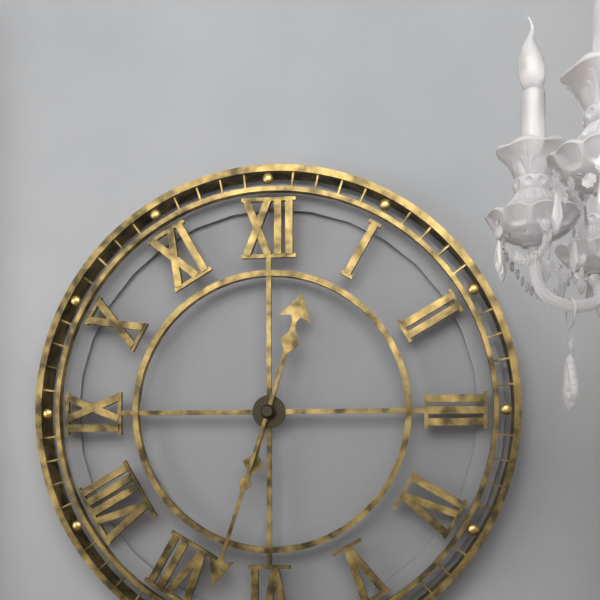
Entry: **12:33**
